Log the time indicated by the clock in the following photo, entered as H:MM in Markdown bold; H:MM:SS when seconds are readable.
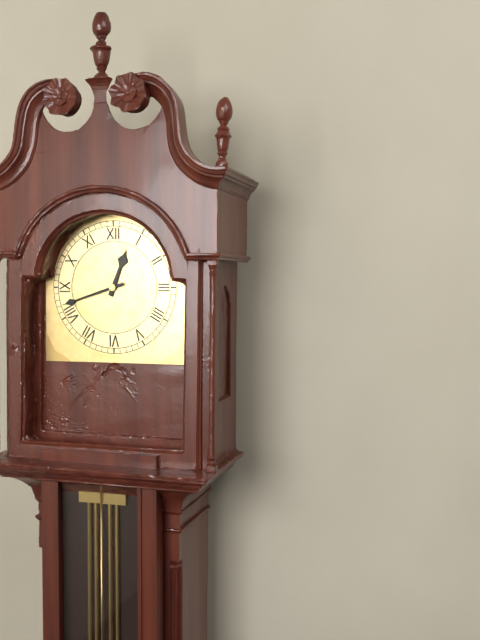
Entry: **12:42**
